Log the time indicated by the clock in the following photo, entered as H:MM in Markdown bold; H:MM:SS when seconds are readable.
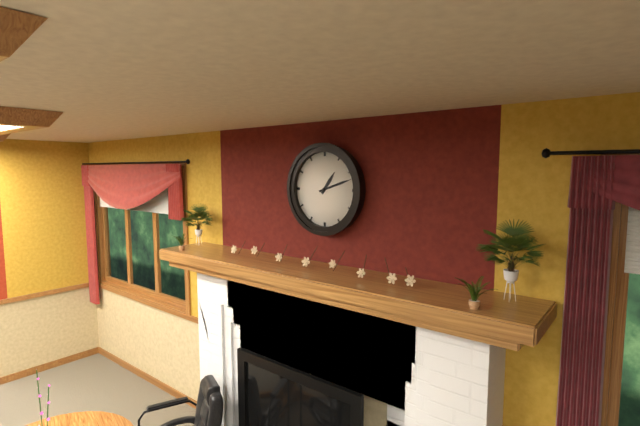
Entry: **1:12**
